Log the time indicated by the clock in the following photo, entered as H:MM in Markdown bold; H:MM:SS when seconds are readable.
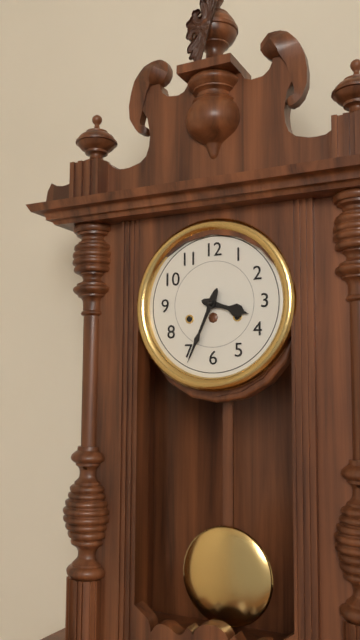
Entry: **3:34**
